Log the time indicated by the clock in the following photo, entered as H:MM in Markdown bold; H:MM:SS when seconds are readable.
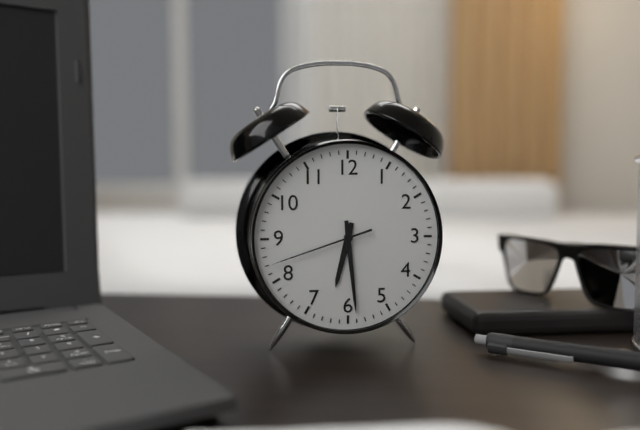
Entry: **6:29:42**
